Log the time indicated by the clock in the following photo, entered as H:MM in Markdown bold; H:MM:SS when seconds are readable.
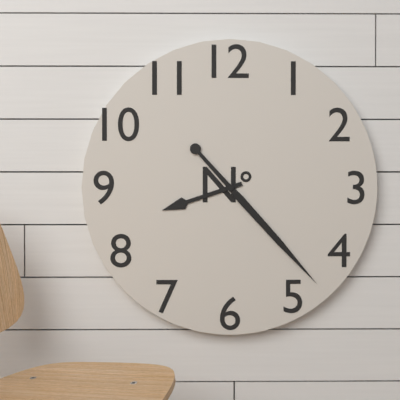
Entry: **8:23**
